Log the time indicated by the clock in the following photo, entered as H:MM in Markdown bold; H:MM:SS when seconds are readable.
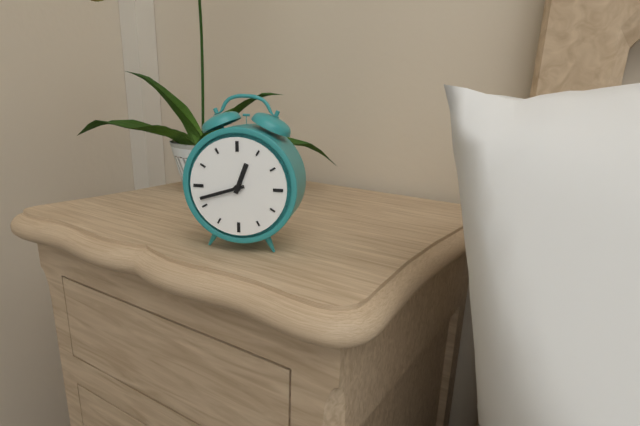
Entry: **12:42**
